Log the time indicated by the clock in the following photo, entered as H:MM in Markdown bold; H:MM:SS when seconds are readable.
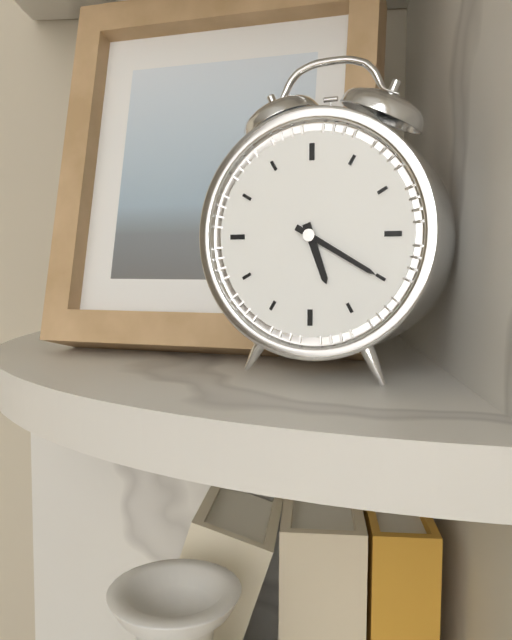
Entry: **5:20**
